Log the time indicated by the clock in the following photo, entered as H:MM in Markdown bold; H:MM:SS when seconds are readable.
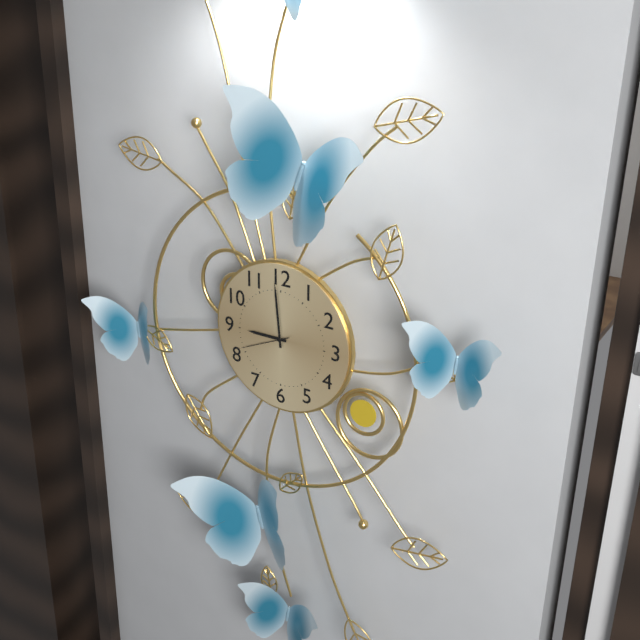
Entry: **8:59:41**
